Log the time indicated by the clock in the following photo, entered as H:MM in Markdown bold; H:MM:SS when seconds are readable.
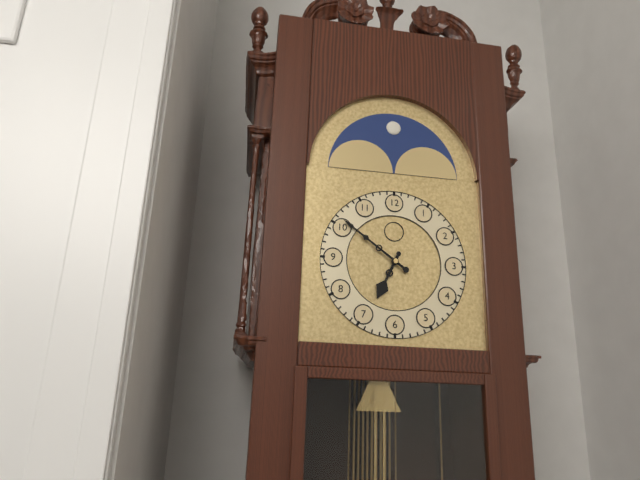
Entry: **6:51**
